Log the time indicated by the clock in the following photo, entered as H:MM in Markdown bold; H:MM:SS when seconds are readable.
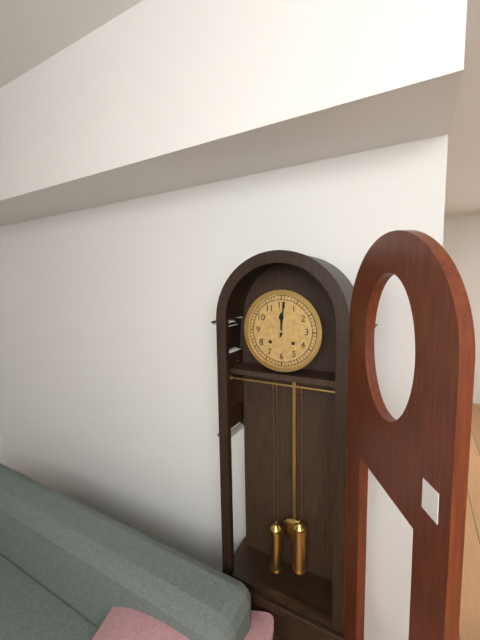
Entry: **12:01**
